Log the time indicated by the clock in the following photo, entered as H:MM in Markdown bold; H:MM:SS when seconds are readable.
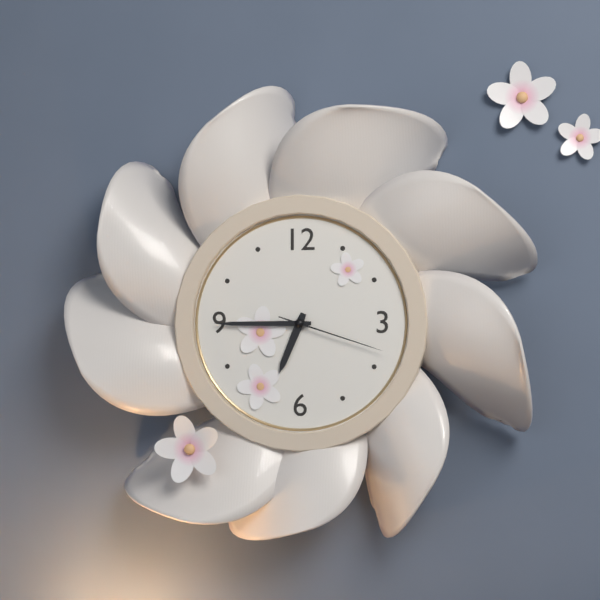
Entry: **6:45:18**
